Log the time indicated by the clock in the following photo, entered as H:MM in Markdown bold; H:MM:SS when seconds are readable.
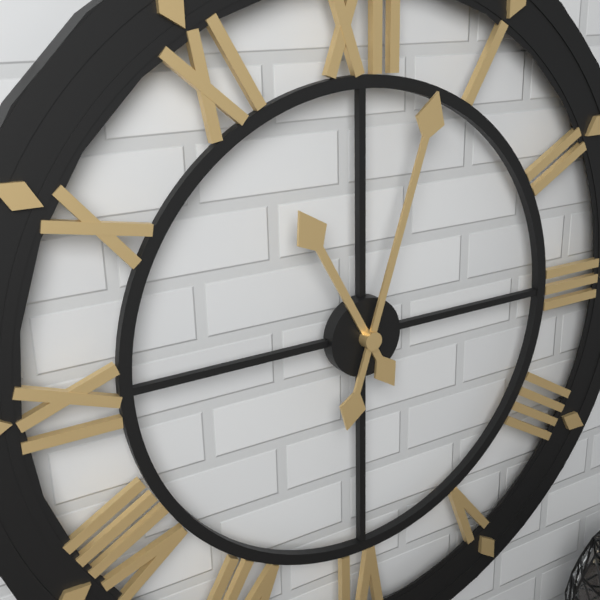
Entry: **11:03**
